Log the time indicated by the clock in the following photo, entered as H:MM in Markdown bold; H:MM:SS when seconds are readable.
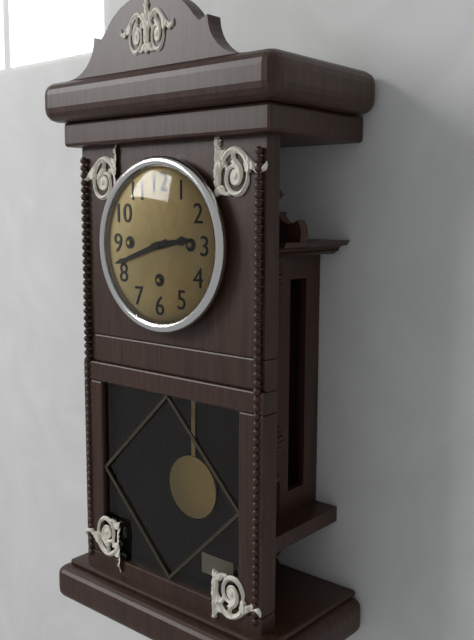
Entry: **2:42**
